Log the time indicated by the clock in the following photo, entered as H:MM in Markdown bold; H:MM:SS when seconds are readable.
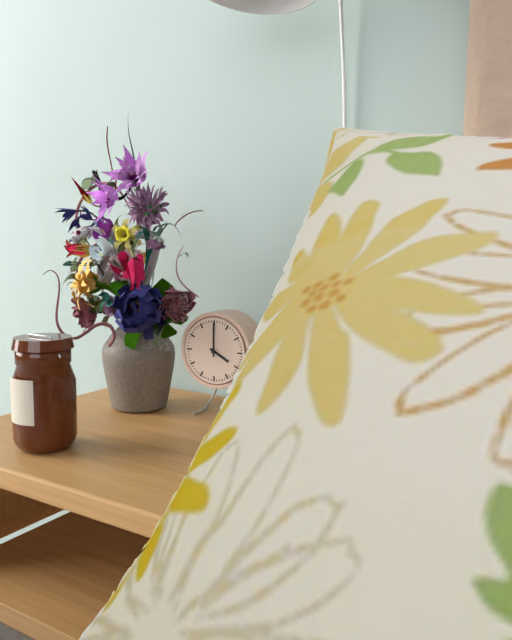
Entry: **4:00**
